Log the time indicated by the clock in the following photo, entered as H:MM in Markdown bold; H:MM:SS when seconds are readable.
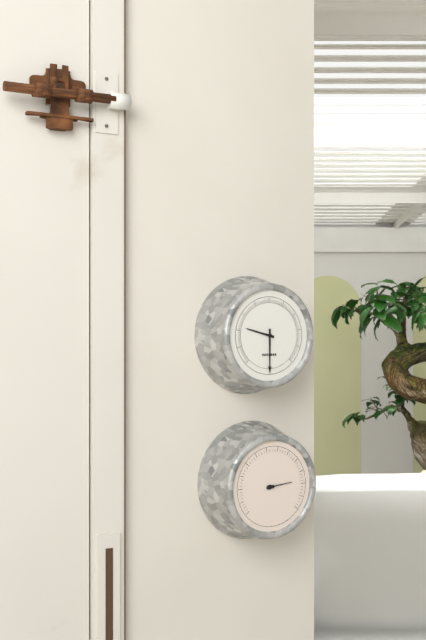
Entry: **9:30**
